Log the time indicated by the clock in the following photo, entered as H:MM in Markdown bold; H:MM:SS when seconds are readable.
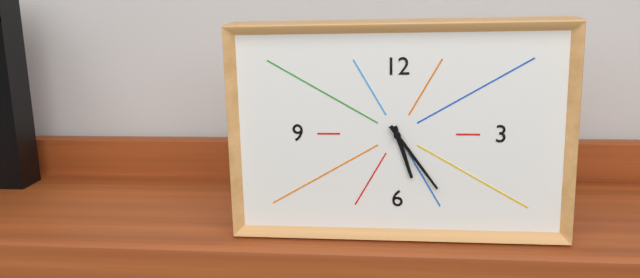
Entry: **5:24**
